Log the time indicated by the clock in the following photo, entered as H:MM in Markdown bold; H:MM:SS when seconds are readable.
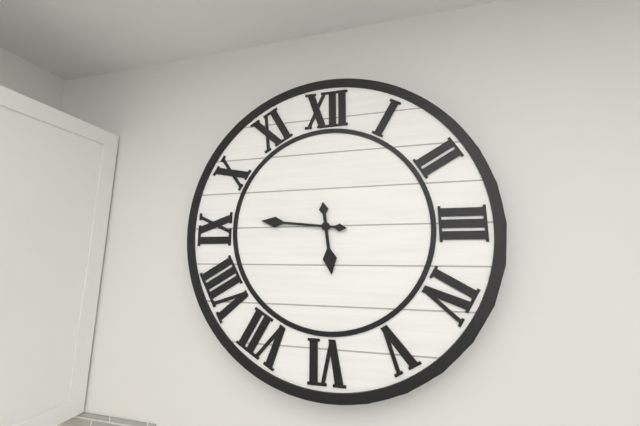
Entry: **5:46**
